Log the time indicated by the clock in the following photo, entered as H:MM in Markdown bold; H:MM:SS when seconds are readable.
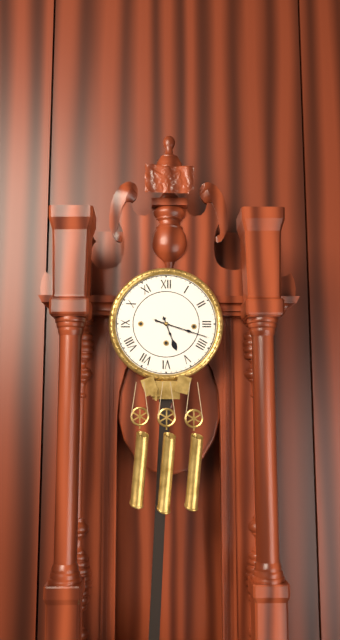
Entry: **5:18**
